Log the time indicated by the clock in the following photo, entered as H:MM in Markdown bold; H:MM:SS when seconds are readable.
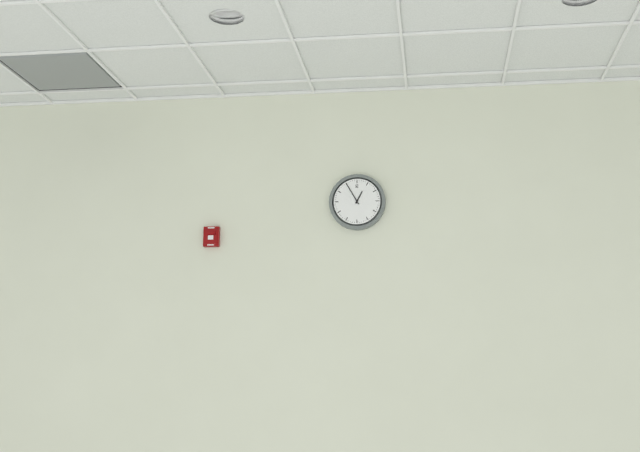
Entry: **12:55**
